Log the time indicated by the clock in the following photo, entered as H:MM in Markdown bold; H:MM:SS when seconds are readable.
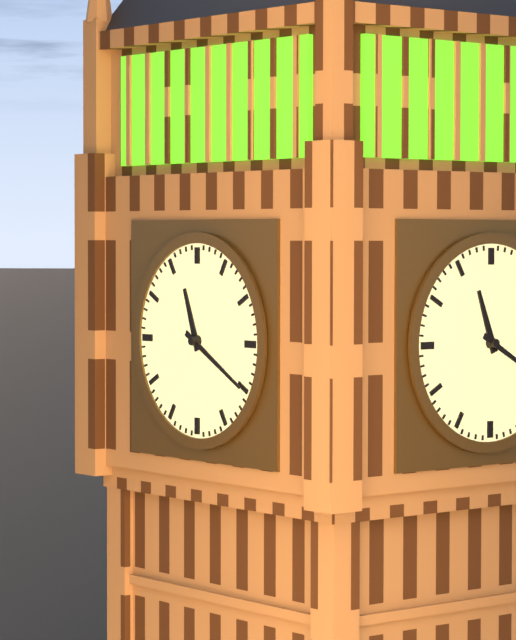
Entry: **11:20**
